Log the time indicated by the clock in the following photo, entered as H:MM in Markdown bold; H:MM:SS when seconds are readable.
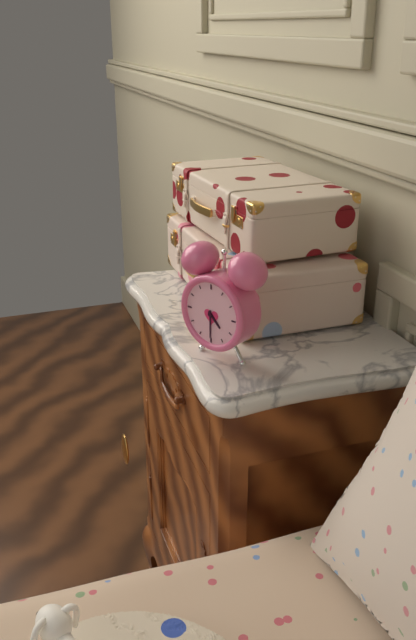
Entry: **4:30**
